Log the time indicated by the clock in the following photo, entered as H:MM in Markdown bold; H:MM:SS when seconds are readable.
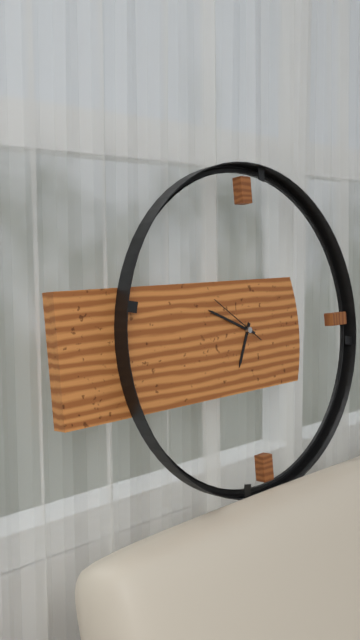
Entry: **6:49:51**
